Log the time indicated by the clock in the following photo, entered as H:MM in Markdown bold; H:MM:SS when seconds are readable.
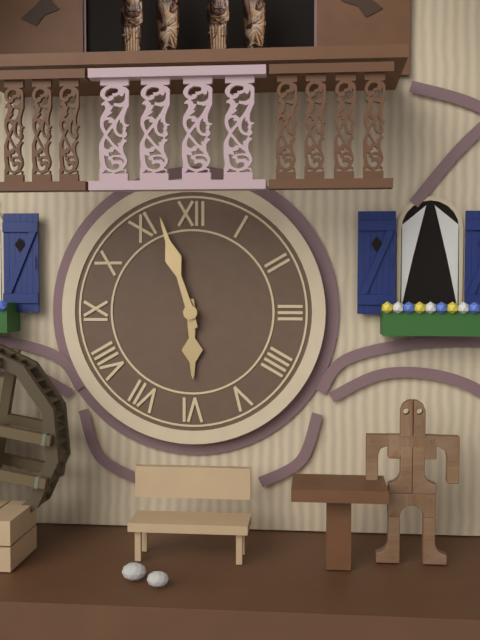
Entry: **5:57**
